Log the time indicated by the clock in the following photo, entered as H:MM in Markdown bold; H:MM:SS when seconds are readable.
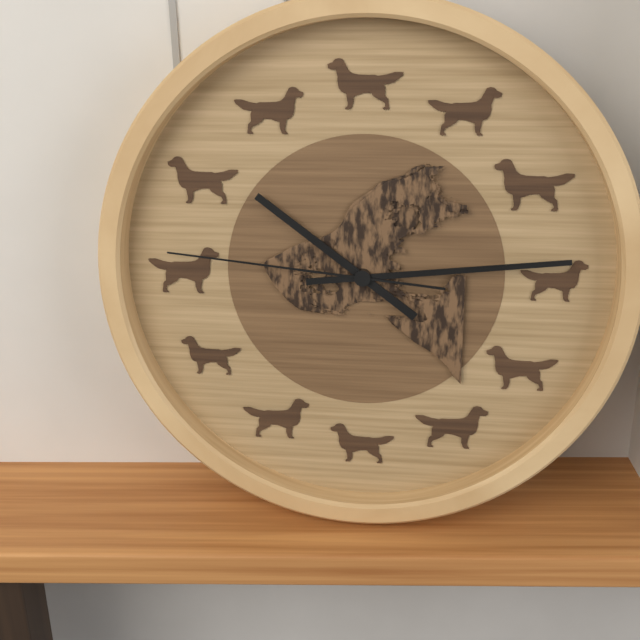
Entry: **10:14:46**
